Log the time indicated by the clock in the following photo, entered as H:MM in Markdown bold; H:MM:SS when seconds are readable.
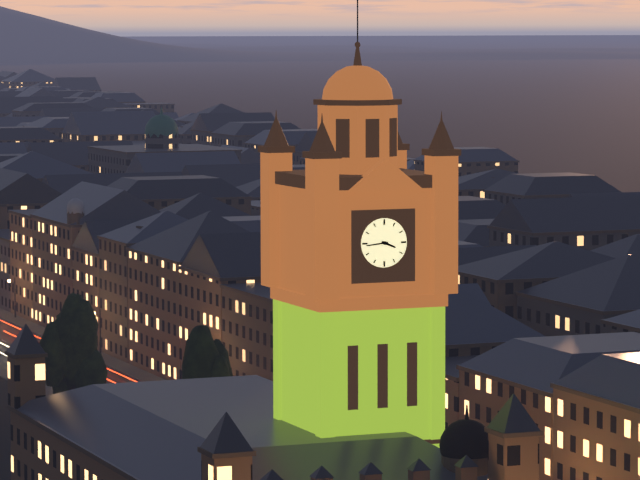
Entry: **3:44**
